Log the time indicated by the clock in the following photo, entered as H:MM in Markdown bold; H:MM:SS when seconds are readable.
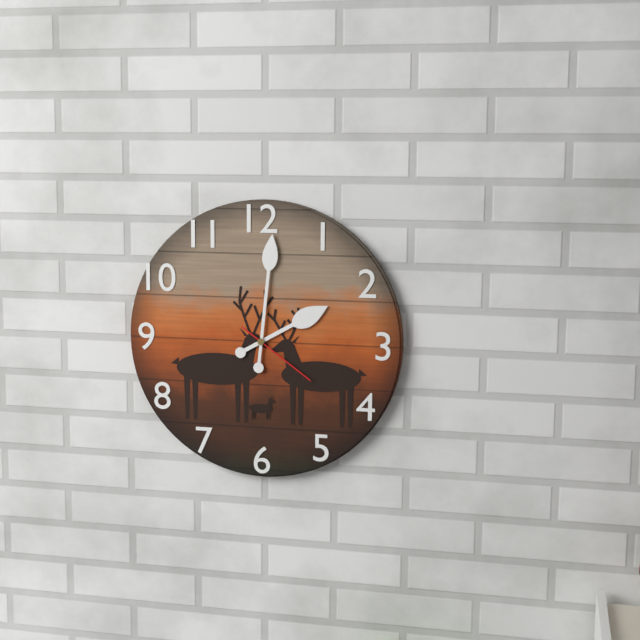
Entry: **2:01:21**
